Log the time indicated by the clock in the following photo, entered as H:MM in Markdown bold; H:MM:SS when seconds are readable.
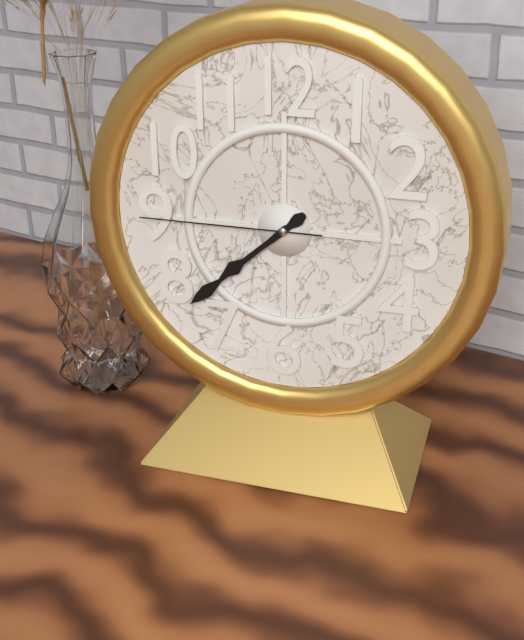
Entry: **7:38:45**
